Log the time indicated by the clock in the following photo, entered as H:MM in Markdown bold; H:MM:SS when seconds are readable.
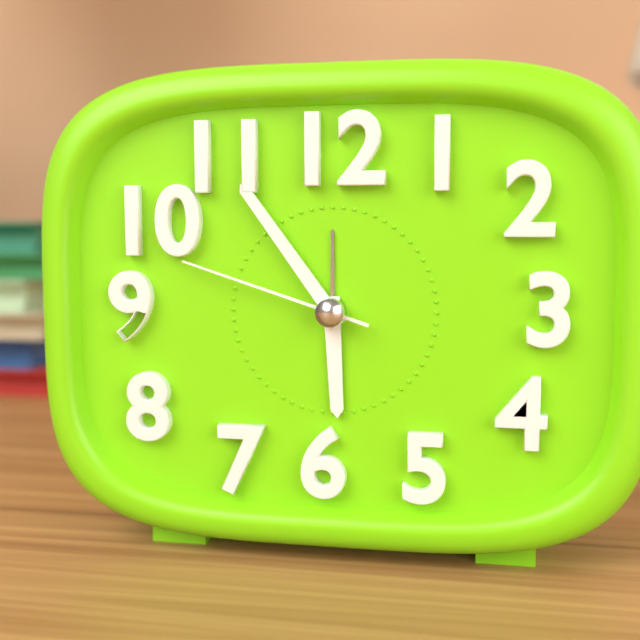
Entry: **5:54:48**
